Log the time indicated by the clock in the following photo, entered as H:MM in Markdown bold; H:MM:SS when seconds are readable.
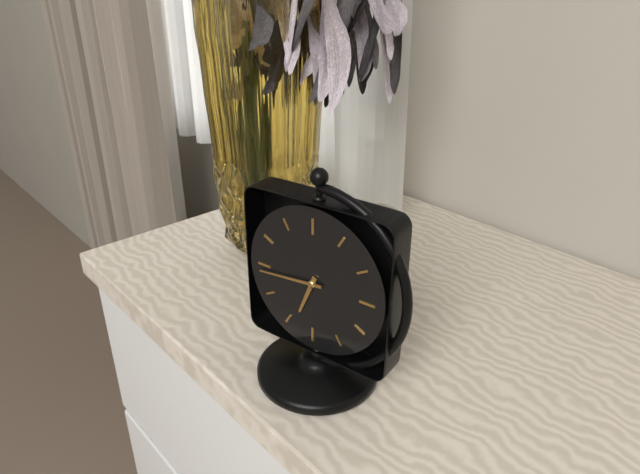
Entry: **6:44**
